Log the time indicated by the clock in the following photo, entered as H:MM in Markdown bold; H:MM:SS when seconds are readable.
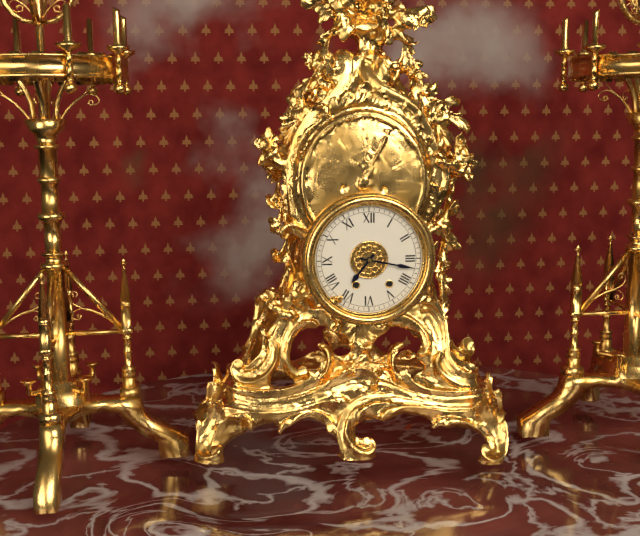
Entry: **7:17**
